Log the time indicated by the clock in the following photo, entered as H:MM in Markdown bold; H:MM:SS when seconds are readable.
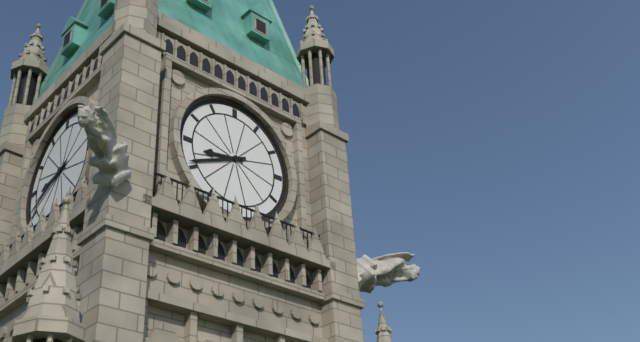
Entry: **8:41**
